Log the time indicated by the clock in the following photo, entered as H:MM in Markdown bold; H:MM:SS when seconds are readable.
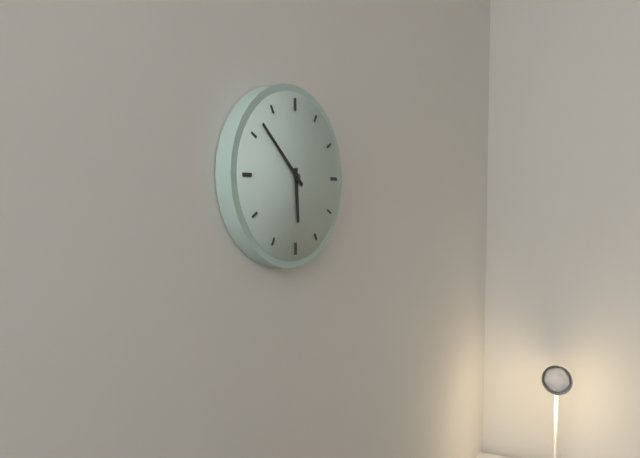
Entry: **5:52**
